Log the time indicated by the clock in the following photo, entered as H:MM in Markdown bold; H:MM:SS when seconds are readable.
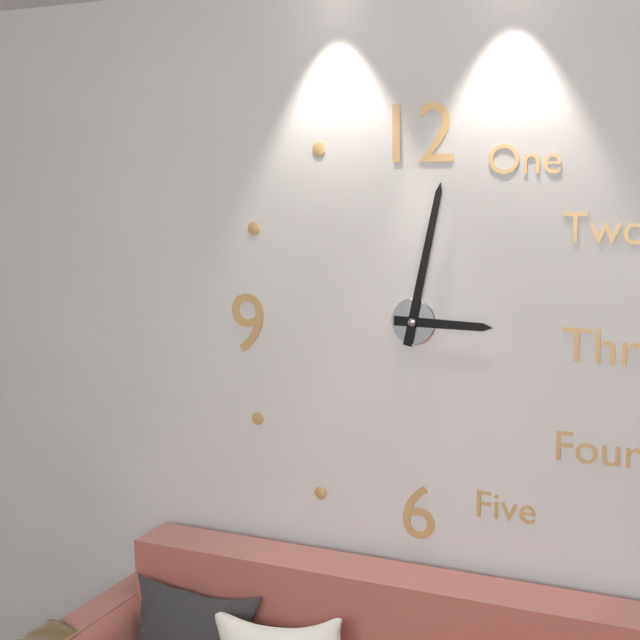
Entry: **3:02**
